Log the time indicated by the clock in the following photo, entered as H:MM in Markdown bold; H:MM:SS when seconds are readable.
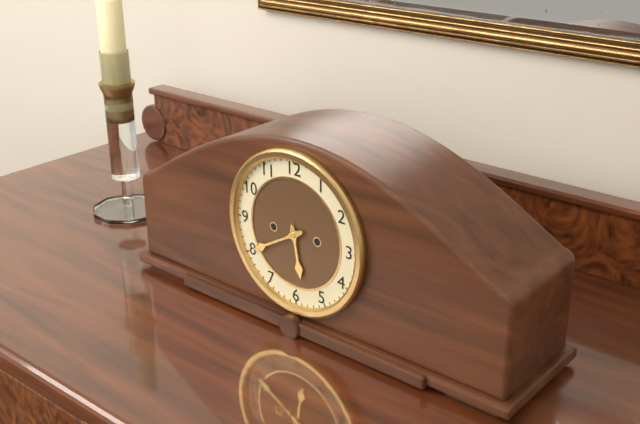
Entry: **5:40**
